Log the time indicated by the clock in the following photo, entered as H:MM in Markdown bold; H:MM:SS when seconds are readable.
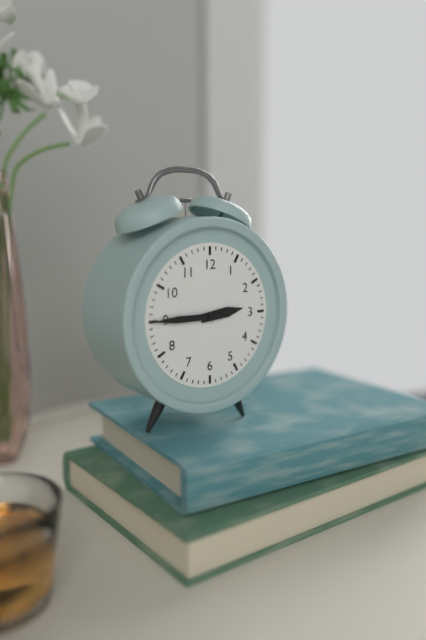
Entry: **2:45**
